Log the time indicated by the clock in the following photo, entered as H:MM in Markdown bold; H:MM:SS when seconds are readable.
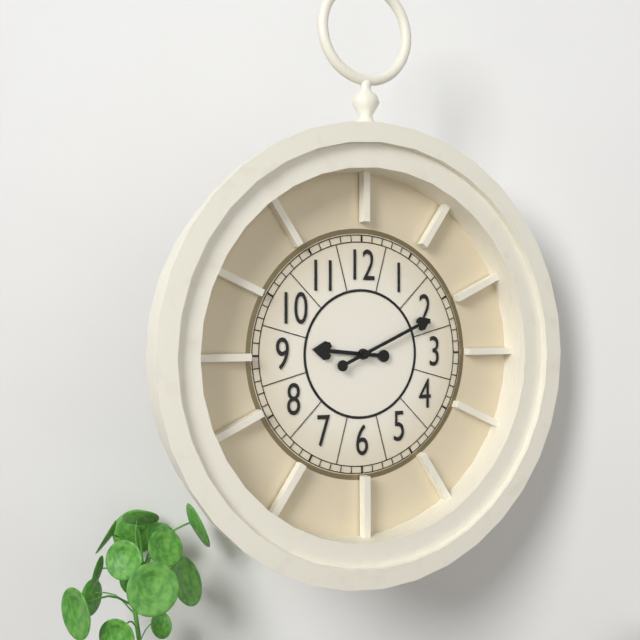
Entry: **9:11**
